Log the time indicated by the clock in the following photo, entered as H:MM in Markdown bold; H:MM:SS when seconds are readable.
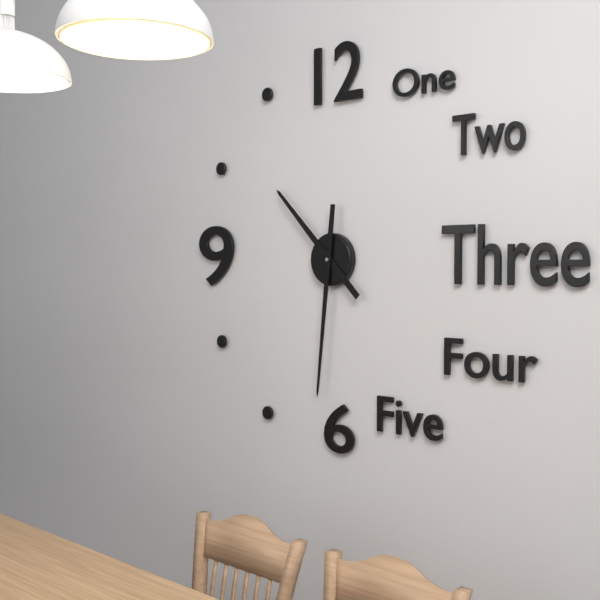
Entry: **10:31**
